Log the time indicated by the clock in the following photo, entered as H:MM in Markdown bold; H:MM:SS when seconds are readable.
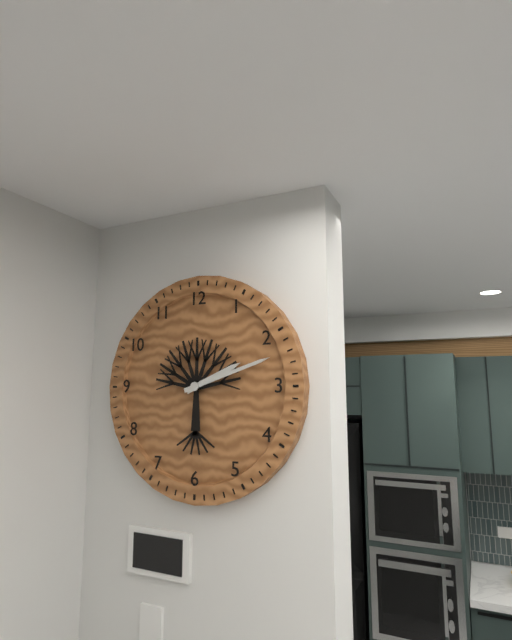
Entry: **2:12**
